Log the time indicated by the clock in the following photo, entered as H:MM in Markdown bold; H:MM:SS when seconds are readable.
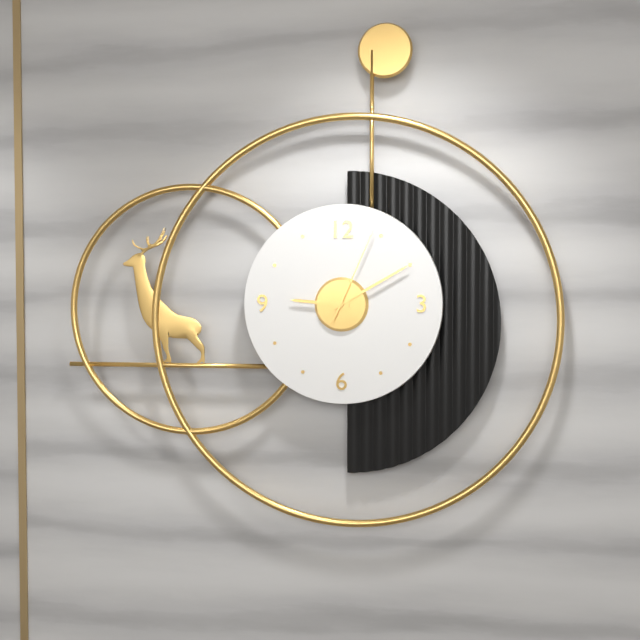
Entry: **9:10:04**
